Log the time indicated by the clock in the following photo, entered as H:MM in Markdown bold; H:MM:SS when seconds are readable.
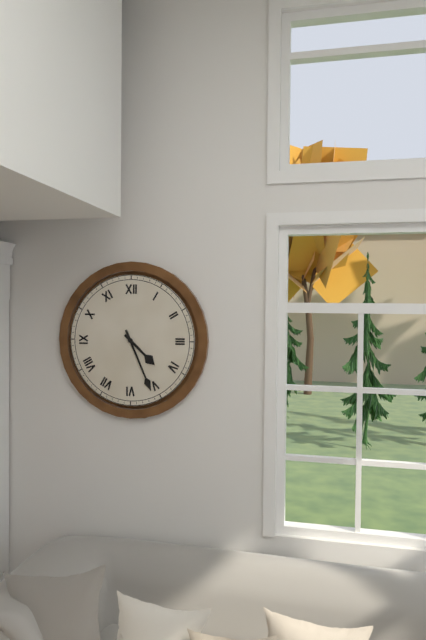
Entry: **4:26**
